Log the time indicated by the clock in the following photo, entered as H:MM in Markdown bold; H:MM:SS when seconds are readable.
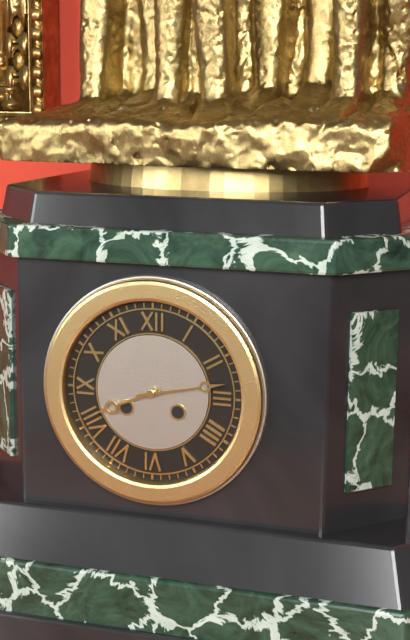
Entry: **8:13**
